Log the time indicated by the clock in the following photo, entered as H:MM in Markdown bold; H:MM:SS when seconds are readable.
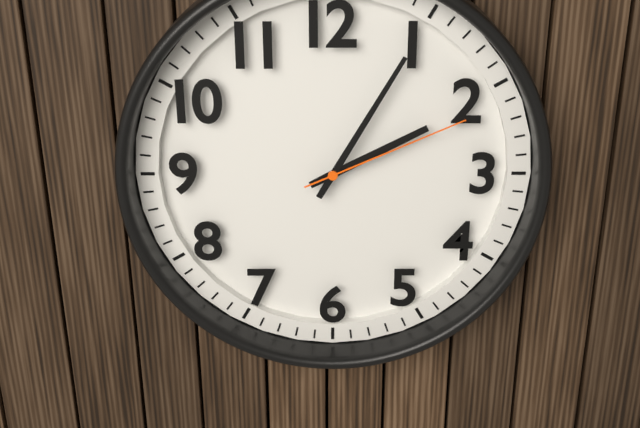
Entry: **2:05:11**
